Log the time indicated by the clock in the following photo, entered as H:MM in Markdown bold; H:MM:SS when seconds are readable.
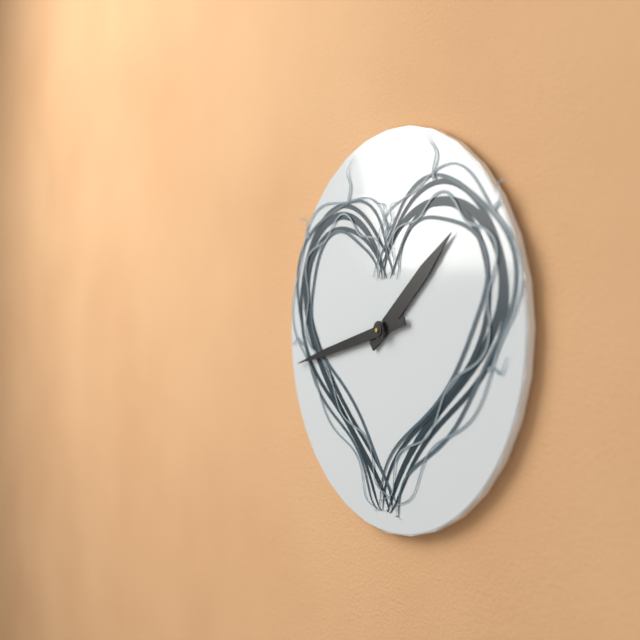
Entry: **1:43**
